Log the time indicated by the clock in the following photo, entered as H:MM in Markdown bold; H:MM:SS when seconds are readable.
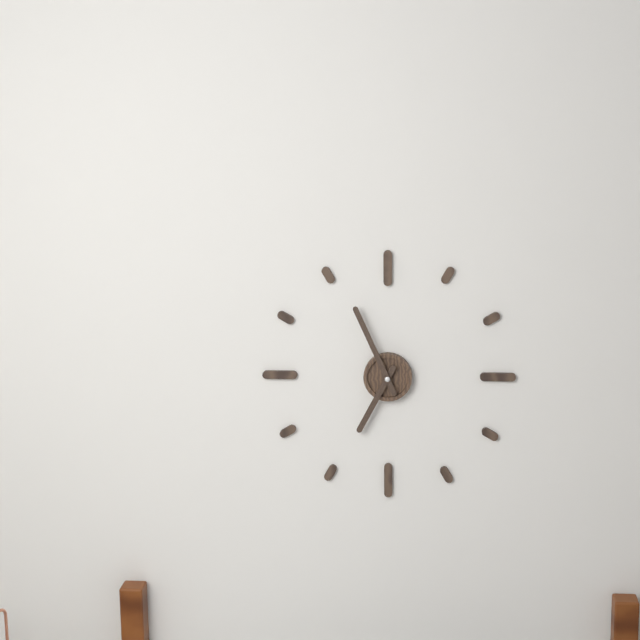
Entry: **6:56**
